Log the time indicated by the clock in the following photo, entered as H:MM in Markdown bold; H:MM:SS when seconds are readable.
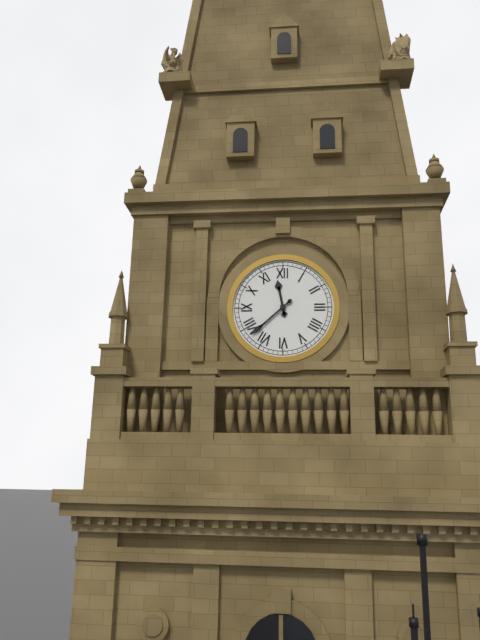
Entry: **11:38**
